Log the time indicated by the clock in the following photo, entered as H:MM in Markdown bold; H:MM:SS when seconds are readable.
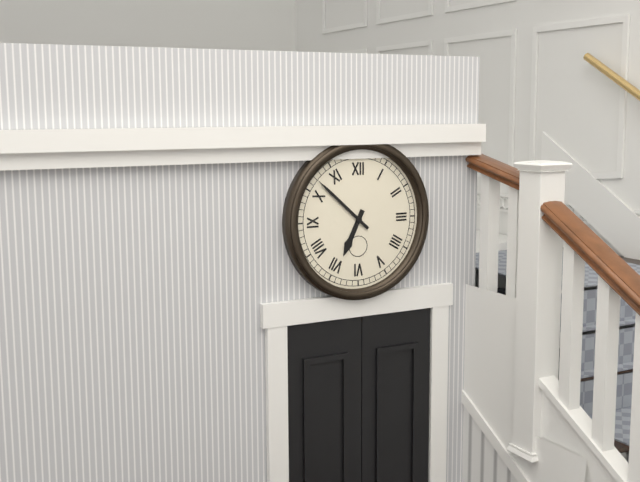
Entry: **6:52**
